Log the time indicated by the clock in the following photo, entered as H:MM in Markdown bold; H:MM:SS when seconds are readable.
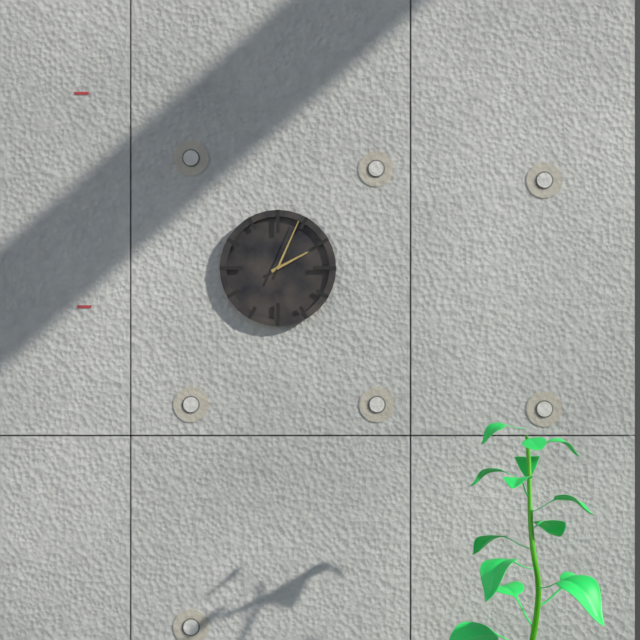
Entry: **2:04**
